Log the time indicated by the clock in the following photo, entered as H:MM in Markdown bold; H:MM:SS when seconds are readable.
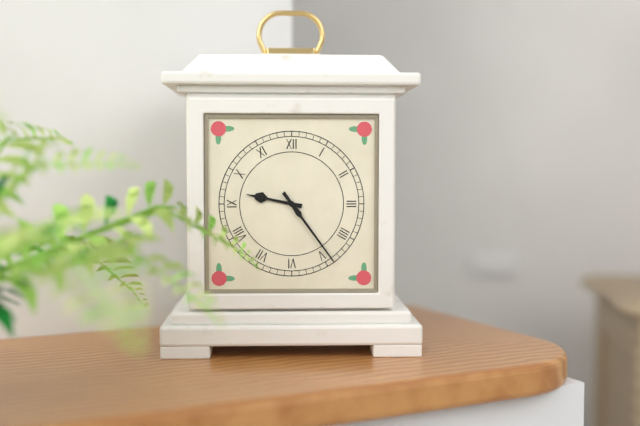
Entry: **9:24**
